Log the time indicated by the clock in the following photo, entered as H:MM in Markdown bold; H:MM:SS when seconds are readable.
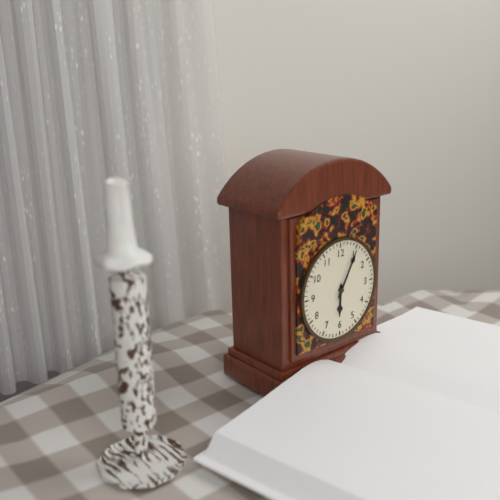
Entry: **6:05**
